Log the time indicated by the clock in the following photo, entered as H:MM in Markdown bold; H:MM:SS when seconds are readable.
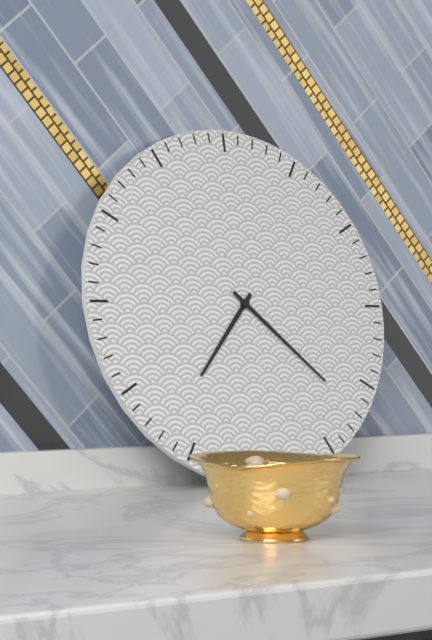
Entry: **7:22**
